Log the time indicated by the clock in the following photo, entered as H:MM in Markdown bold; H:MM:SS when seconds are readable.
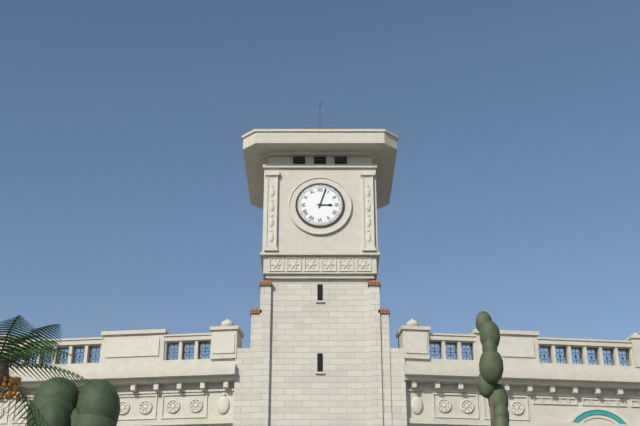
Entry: **3:03**
